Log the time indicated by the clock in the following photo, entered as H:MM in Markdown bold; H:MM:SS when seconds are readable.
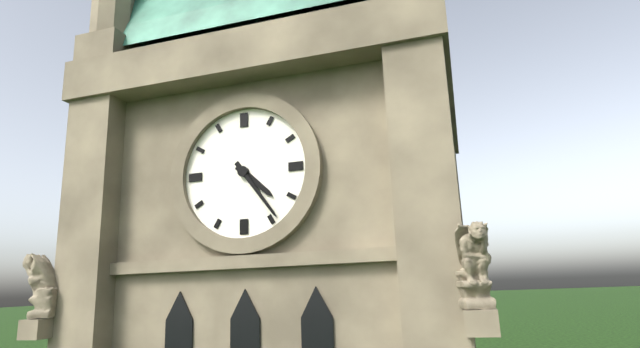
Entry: **4:24**
